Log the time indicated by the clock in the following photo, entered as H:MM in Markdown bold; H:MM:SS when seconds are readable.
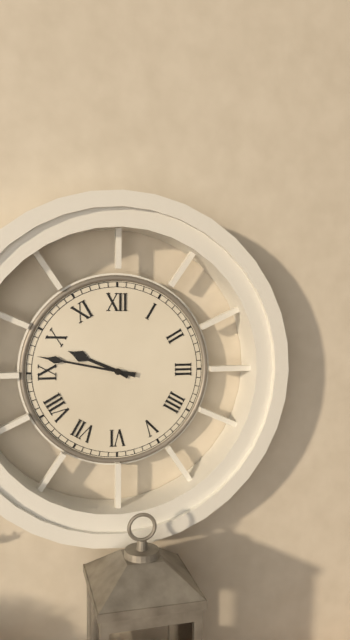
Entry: **9:47**
